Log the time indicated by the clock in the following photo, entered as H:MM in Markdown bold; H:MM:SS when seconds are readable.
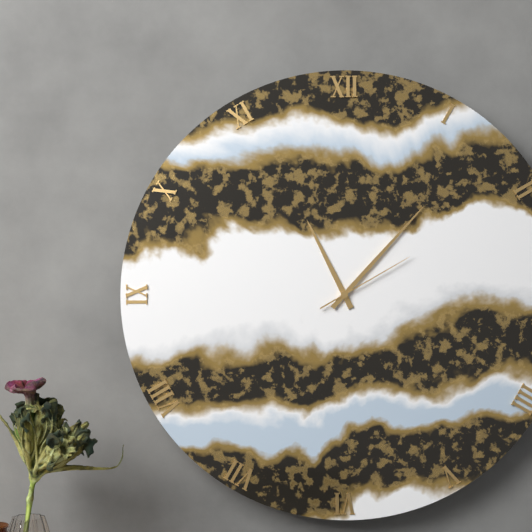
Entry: **11:07:10**
